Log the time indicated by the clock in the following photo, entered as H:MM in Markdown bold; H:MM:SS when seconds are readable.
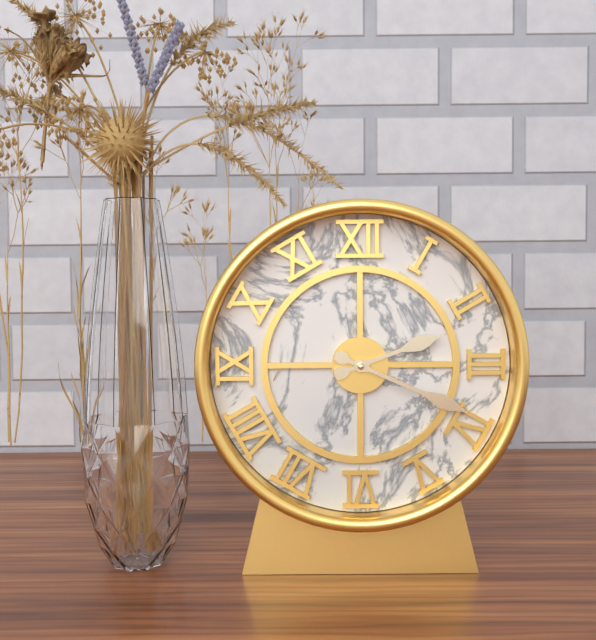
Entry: **2:19**
